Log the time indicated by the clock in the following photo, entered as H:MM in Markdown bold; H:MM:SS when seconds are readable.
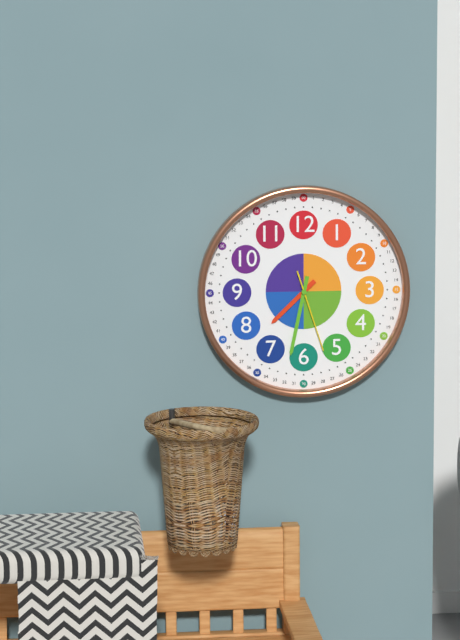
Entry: **7:32:27**
